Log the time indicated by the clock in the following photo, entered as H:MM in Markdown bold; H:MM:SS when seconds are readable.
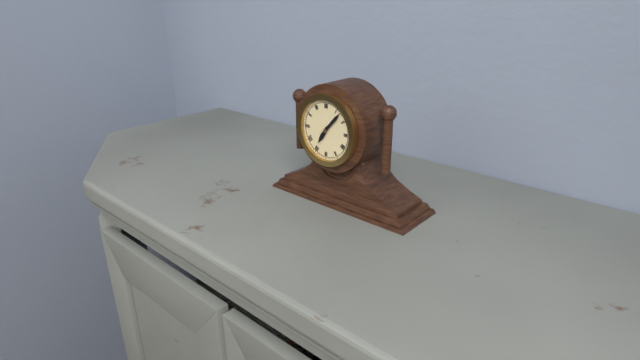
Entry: **7:07**
